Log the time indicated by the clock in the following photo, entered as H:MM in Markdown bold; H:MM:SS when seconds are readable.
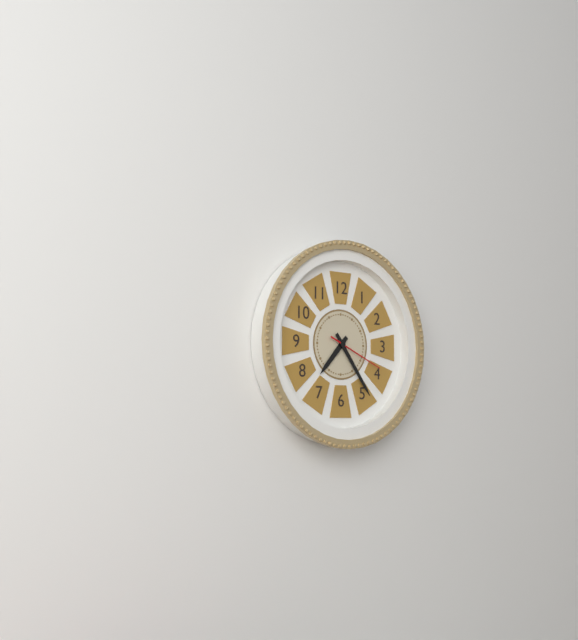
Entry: **7:24:19**
